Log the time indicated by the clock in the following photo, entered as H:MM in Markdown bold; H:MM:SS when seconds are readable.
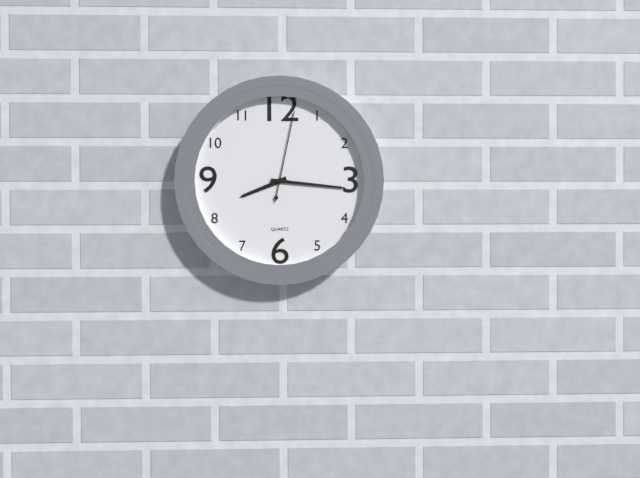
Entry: **8:16:02**
